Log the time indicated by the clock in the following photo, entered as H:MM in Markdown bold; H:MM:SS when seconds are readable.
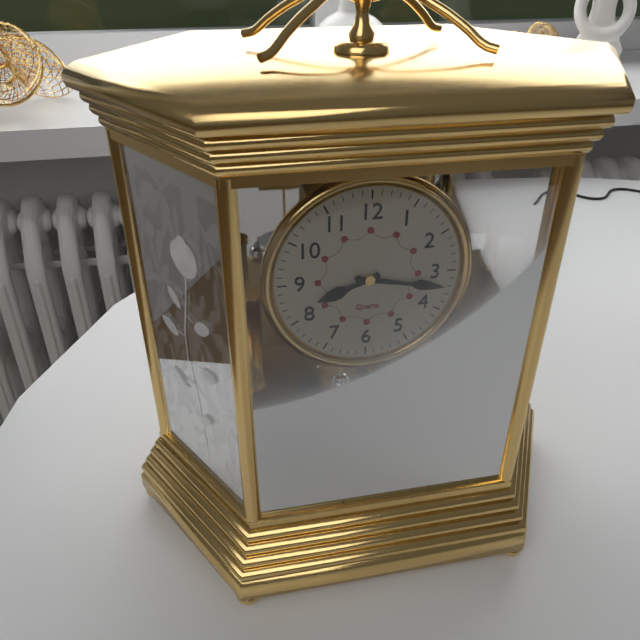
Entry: **8:17**
